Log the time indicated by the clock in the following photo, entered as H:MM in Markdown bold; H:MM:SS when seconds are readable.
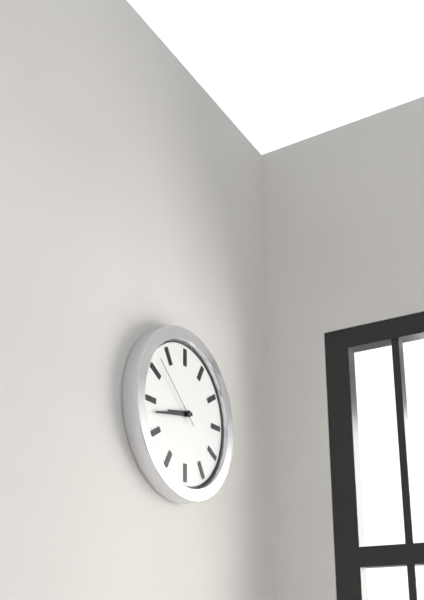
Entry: **8:43:52**
